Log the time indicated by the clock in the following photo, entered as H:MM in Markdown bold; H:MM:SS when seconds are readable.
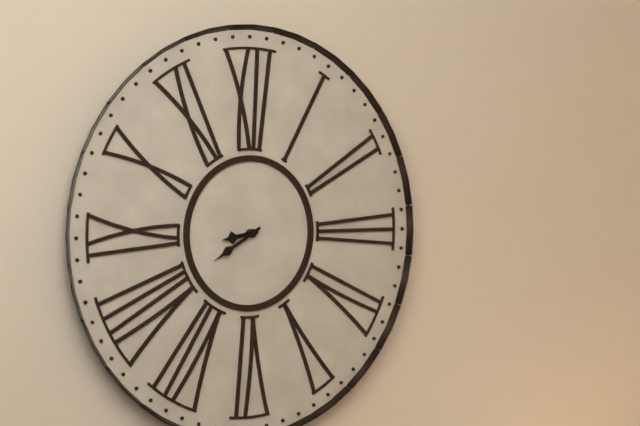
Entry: **8:40**
